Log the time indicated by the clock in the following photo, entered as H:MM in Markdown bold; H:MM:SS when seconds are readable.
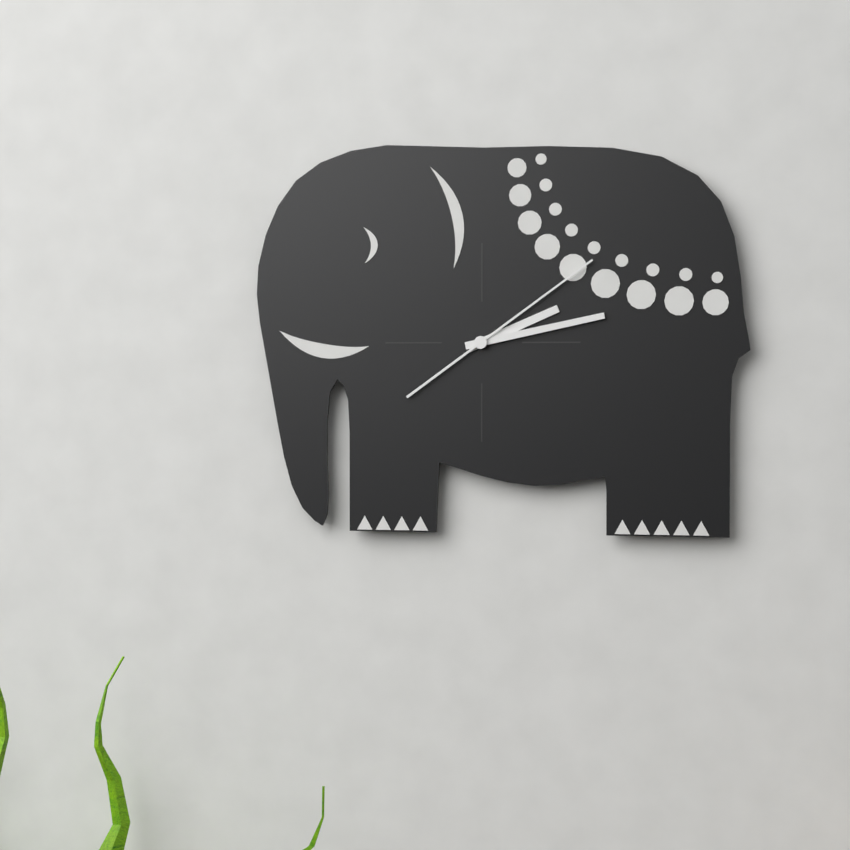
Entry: **2:13:09**
